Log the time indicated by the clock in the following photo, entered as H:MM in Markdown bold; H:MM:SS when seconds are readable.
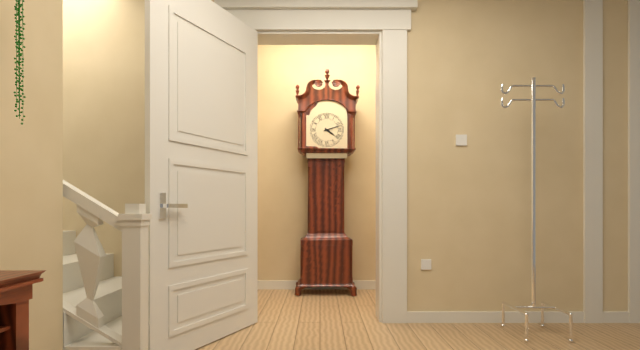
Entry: **4:12**
